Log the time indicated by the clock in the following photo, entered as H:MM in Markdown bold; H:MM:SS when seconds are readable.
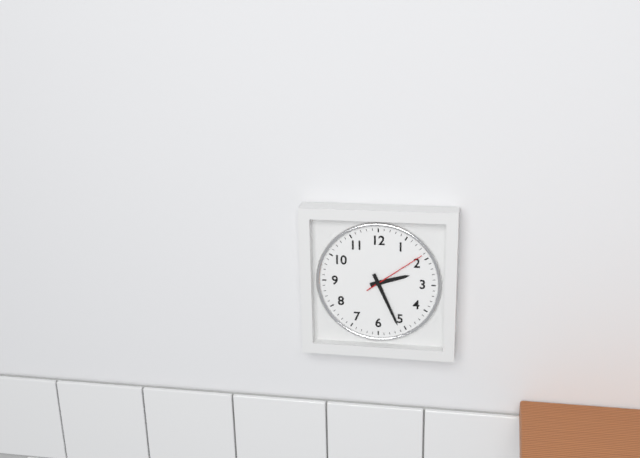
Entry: **2:26:09**
